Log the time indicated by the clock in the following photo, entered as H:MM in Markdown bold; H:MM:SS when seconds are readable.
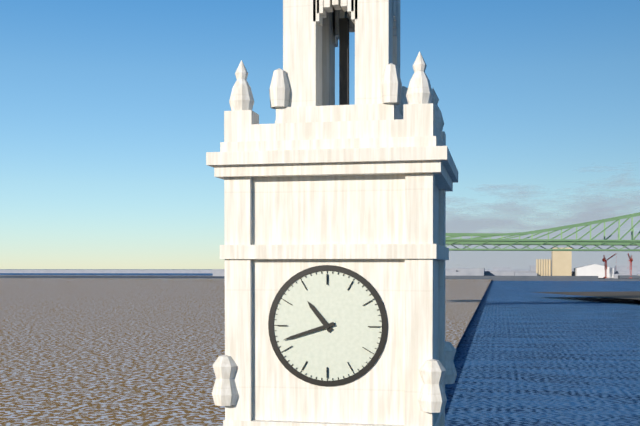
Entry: **10:42**
